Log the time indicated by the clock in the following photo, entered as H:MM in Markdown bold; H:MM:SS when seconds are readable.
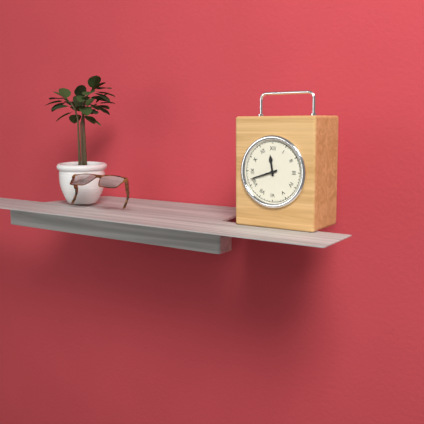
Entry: **11:42**
